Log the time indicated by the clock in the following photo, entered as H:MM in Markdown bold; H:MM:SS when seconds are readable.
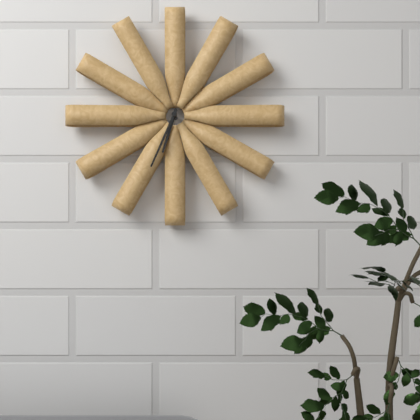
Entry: **6:34**
